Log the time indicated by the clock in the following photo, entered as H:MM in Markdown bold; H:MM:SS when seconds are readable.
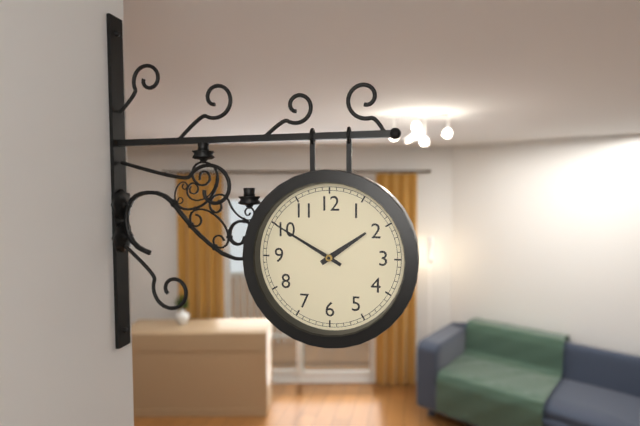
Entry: **1:50**
